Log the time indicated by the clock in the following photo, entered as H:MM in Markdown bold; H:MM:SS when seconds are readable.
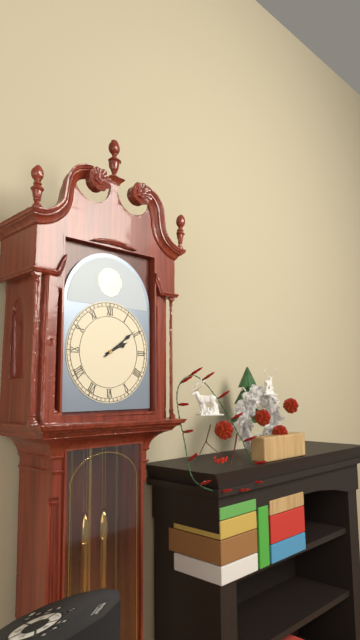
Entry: **2:09**
